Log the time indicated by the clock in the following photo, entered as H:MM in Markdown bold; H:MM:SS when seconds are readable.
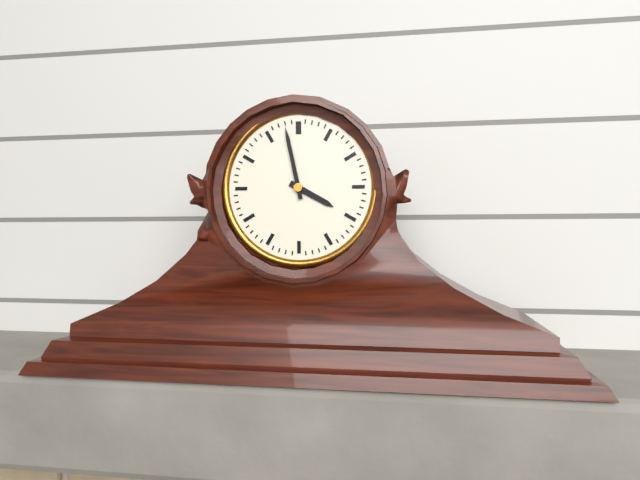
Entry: **3:58**
